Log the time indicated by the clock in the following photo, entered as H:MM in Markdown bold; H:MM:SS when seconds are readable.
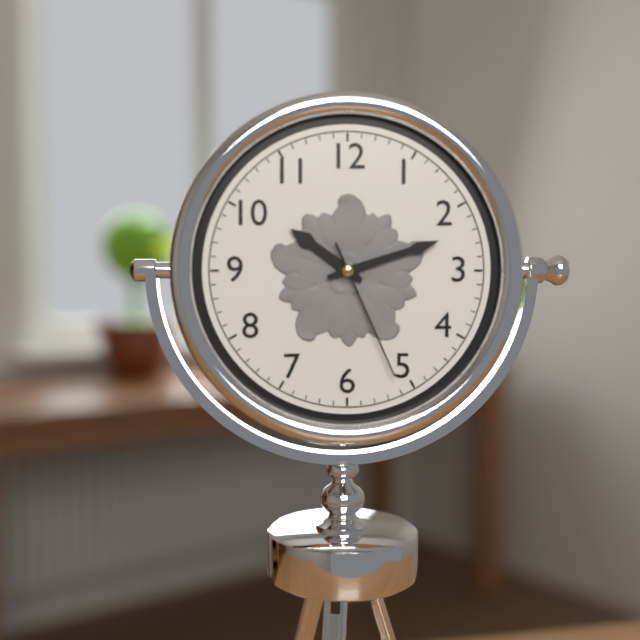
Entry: **10:12:26**
